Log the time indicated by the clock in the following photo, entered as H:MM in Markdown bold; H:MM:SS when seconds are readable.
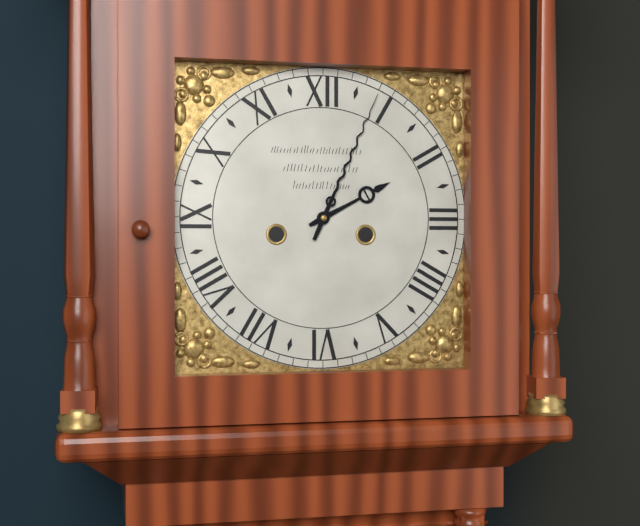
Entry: **2:04**
